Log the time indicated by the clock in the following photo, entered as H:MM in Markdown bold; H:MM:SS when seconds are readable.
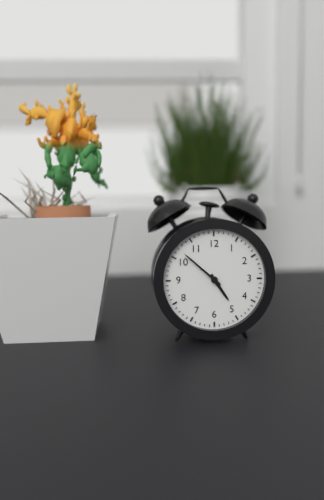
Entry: **4:52**
